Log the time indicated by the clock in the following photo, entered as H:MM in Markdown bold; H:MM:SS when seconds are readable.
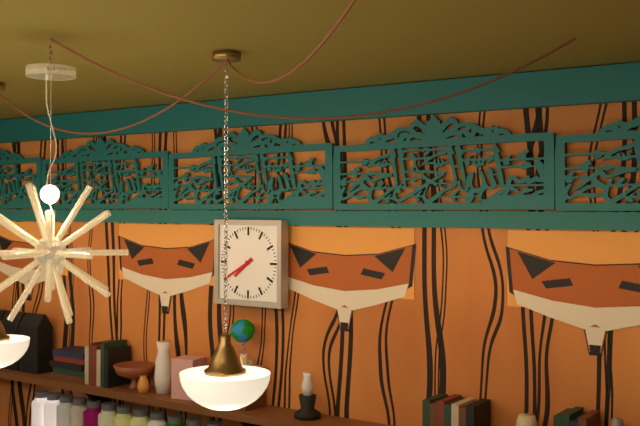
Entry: **7:40**
